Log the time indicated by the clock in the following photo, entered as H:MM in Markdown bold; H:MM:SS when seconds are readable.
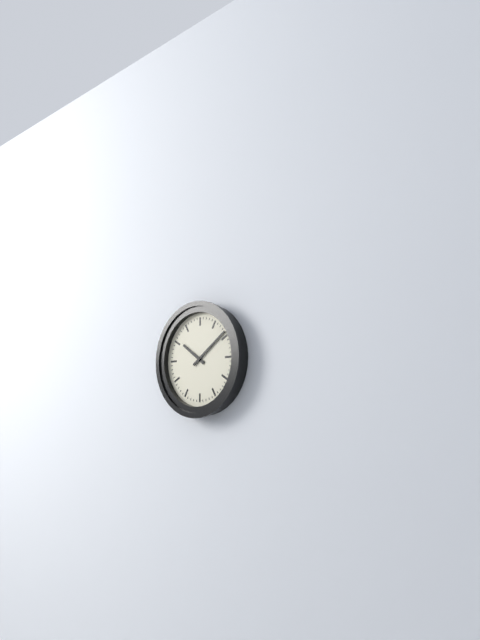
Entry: **10:09**
